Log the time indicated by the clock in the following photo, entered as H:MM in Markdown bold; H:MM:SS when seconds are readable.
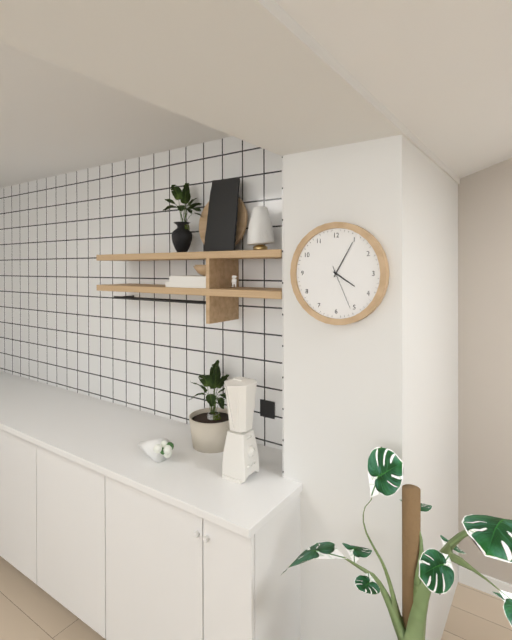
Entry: **4:05**
